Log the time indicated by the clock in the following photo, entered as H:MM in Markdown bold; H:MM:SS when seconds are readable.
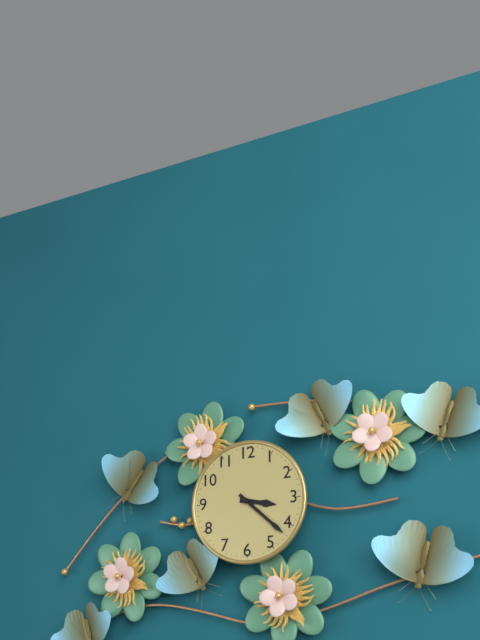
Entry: **3:22**
